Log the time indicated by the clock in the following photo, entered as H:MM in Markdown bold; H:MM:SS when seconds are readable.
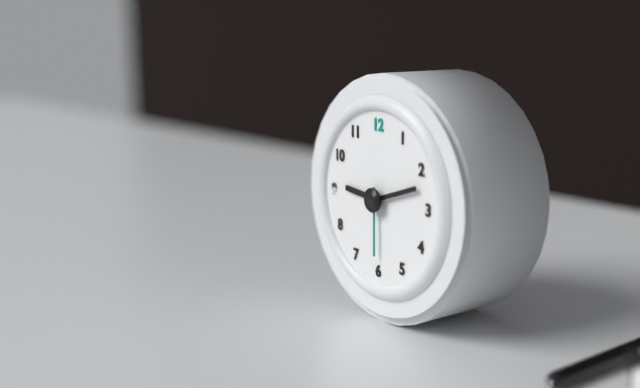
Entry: **9:12:30**
